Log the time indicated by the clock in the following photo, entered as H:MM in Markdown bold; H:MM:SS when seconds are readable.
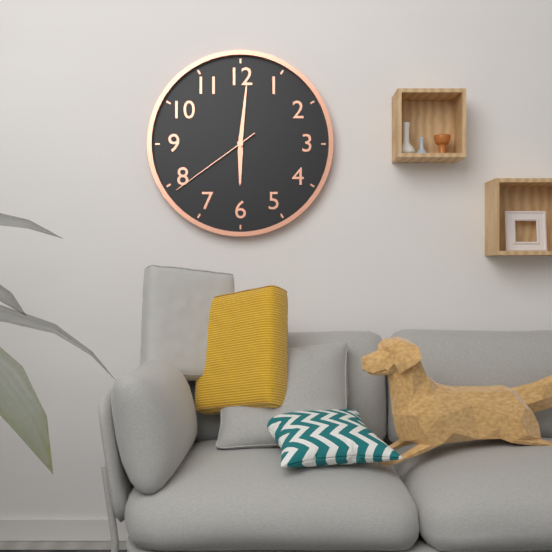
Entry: **6:01:39**
